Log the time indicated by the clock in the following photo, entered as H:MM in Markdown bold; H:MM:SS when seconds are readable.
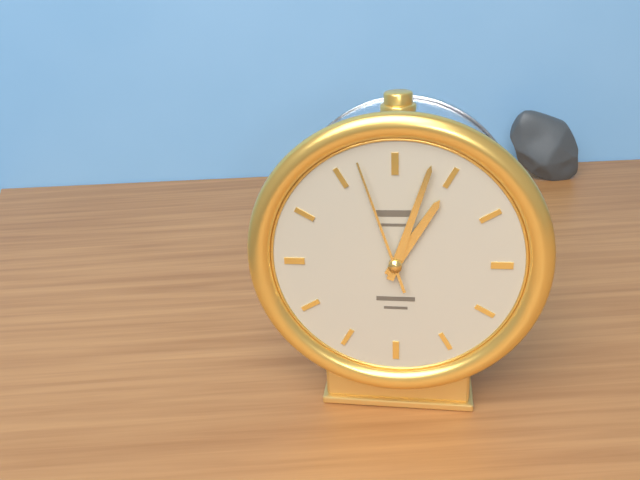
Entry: **1:03:57**
